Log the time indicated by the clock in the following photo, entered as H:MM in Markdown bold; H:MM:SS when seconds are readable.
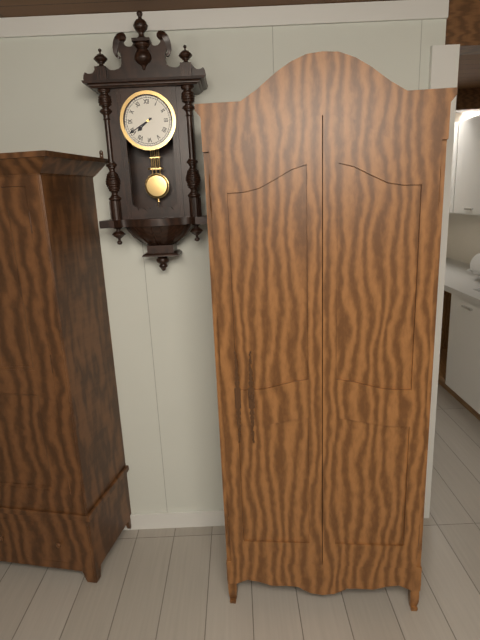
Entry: **7:40**
